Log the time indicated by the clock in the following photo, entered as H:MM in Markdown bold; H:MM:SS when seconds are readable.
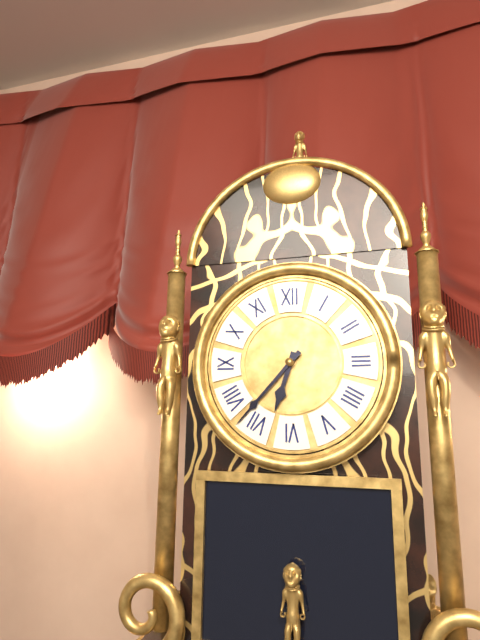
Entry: **6:37**
